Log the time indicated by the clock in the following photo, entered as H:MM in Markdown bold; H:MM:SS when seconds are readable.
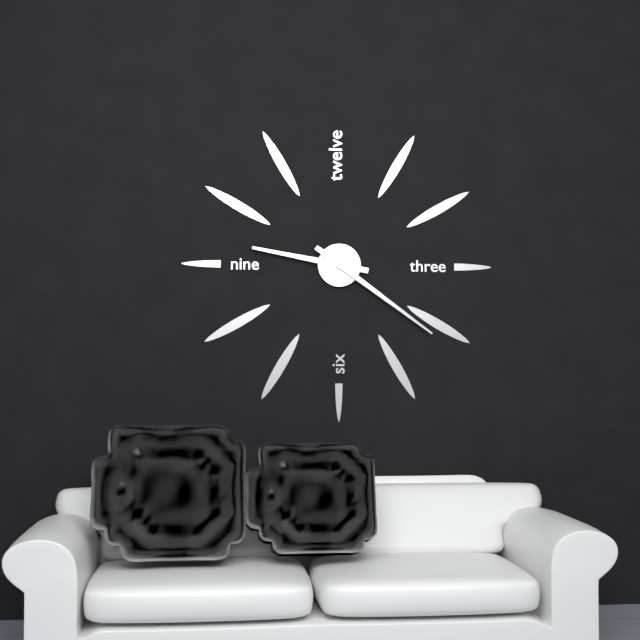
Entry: **9:21**
